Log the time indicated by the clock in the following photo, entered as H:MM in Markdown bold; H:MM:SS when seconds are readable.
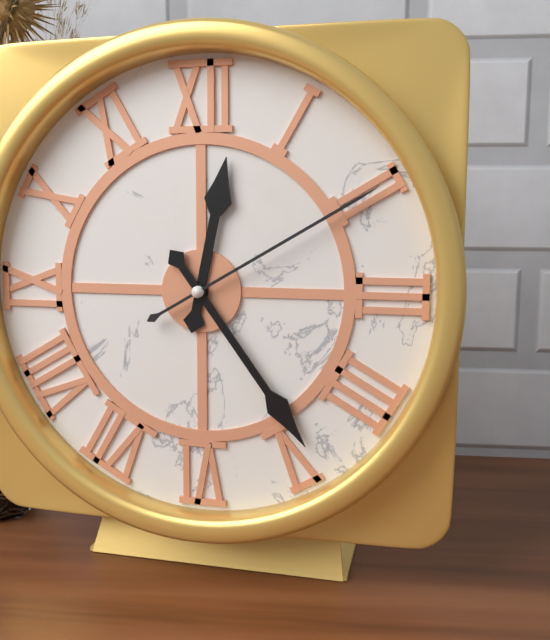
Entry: **12:24:10**
